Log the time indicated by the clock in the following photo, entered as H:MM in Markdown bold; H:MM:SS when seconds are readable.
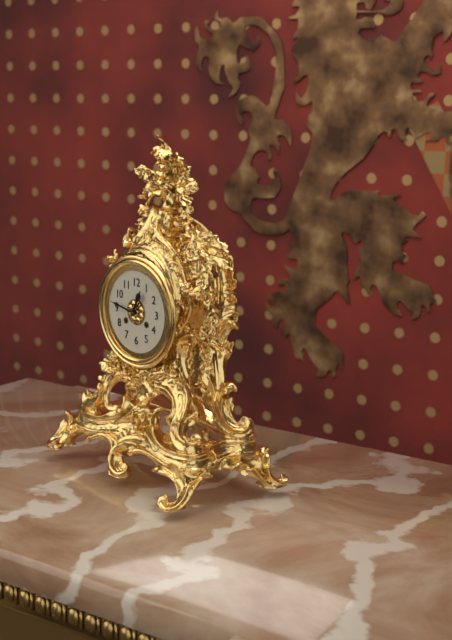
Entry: **12:47**
